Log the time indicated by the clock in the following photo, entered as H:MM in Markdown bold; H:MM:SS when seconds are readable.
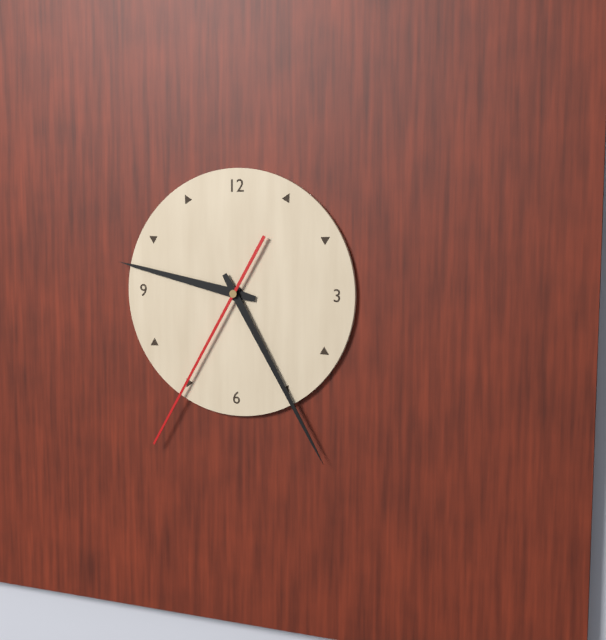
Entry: **9:25:35**
